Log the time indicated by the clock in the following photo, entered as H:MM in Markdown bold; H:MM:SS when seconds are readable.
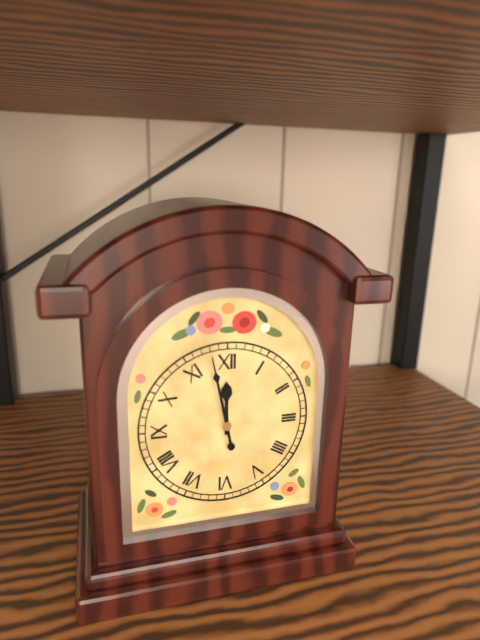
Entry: **11:58**
